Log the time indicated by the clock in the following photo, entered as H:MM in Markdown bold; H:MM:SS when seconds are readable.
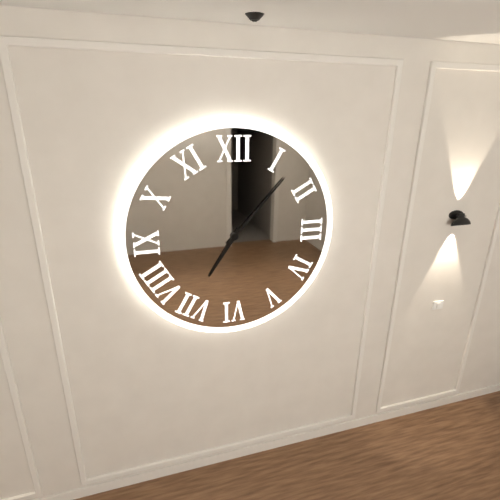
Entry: **7:07**
